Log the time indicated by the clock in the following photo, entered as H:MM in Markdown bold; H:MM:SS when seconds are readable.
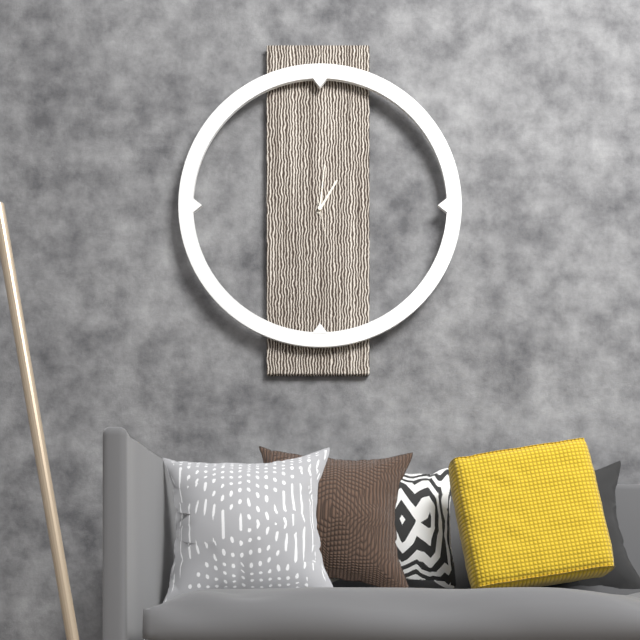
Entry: **1:01**
